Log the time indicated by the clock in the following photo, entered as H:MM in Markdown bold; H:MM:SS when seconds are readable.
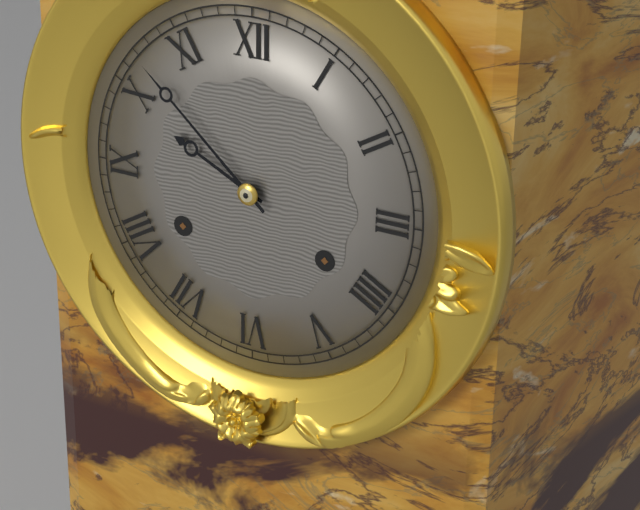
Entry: **9:52**
